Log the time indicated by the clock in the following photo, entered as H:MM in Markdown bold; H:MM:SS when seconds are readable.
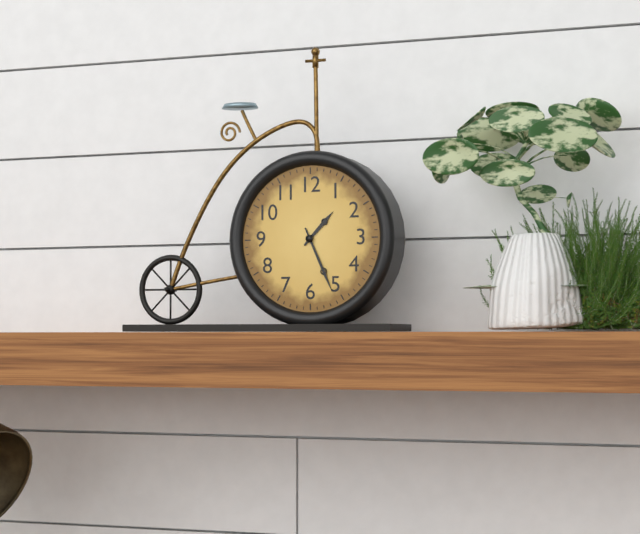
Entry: **1:26**
